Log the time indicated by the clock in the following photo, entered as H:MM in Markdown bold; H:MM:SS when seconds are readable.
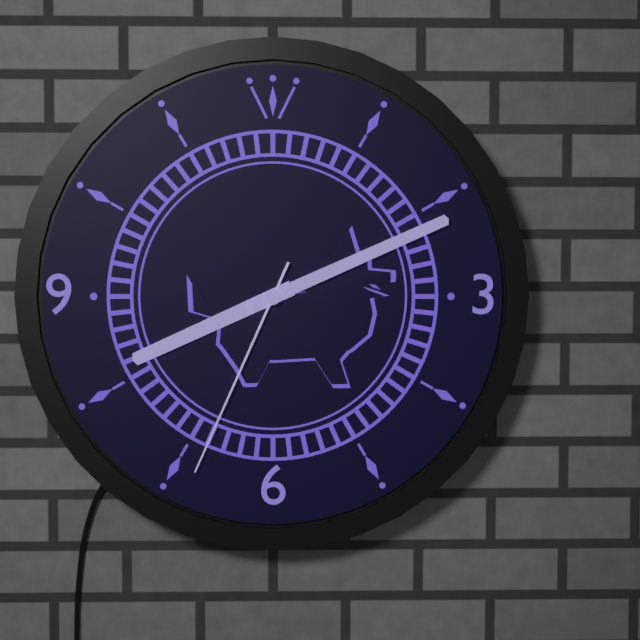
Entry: **8:11:34**
